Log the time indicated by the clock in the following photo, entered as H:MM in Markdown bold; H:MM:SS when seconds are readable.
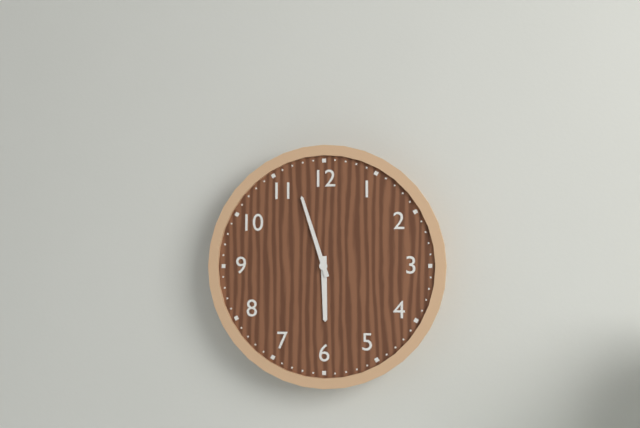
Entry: **5:57**
